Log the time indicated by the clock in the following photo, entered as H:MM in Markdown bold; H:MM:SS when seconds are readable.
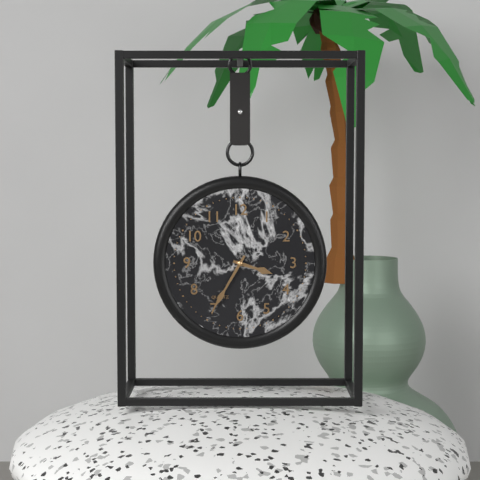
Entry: **3:35**
